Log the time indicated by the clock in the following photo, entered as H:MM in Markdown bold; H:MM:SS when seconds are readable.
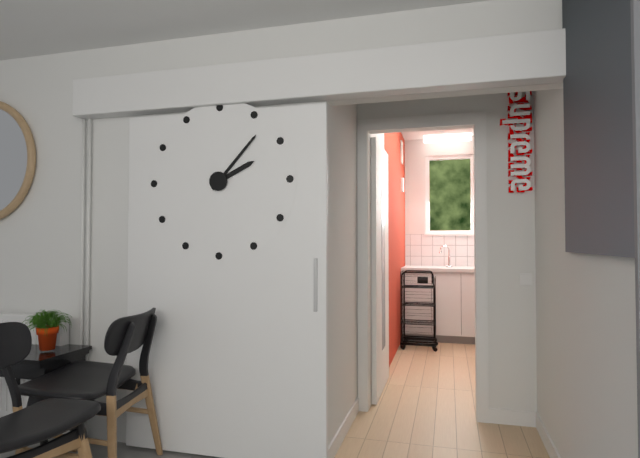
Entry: **2:07**
